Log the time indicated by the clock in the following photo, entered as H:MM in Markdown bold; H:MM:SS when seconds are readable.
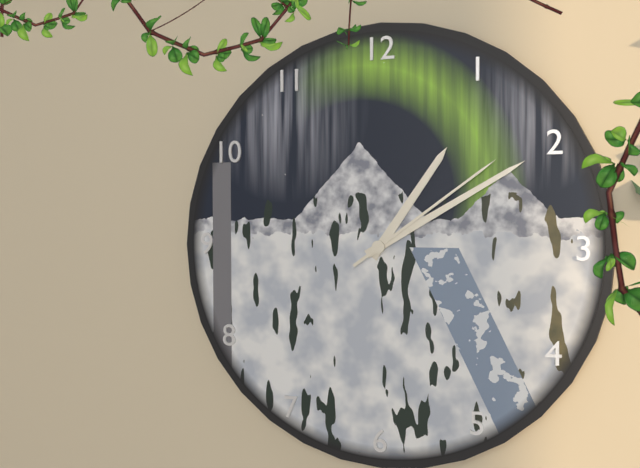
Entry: **1:10:09**
